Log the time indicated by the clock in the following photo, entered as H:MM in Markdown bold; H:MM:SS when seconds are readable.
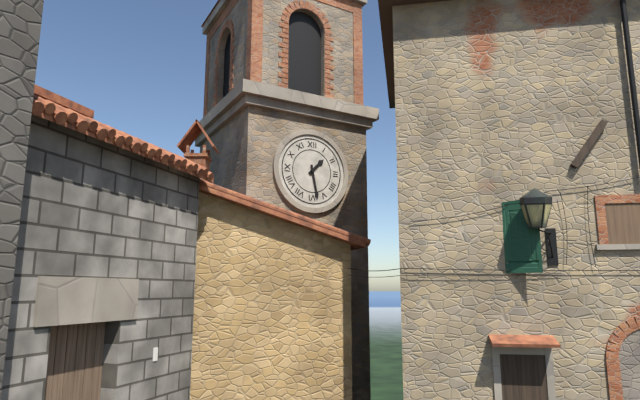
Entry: **1:28**
